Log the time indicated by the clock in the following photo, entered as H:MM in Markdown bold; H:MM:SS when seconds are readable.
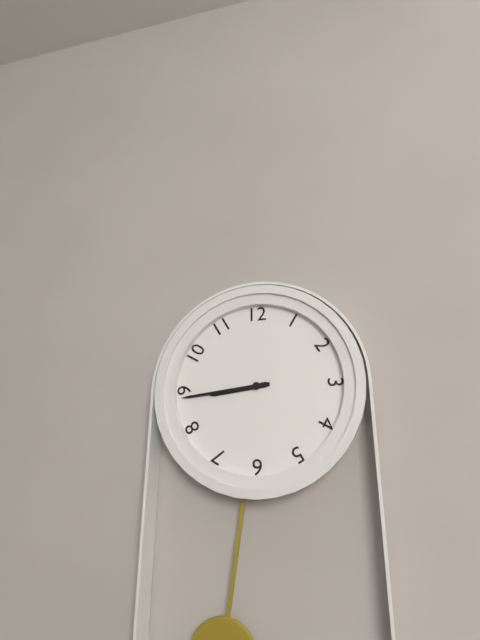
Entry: **8:44**
